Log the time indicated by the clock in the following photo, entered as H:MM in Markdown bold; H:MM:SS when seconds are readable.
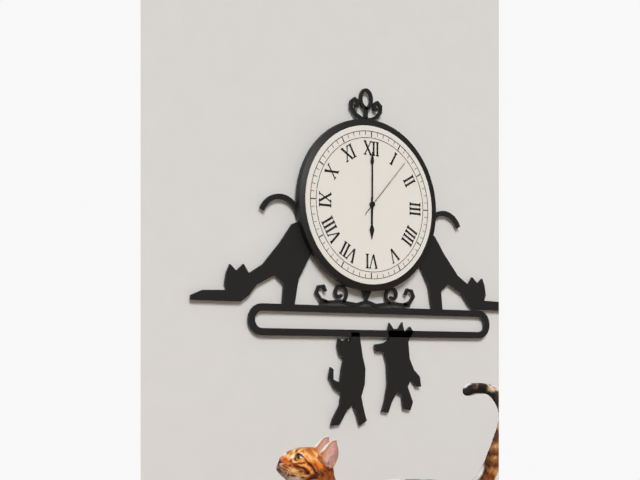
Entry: **6:00:07**
